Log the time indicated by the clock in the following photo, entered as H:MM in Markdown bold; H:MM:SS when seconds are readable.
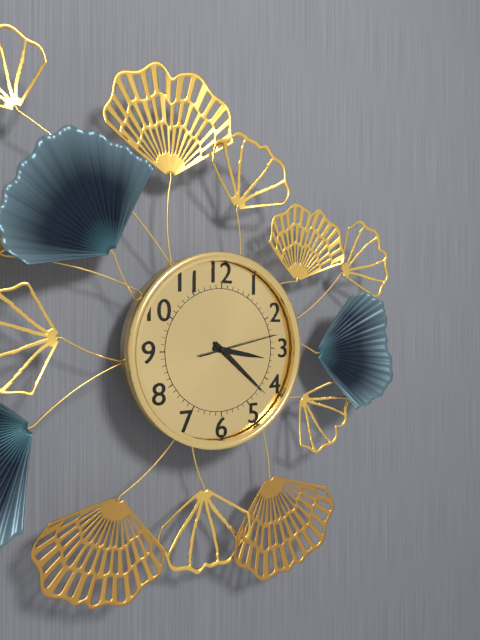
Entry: **3:22:13**
